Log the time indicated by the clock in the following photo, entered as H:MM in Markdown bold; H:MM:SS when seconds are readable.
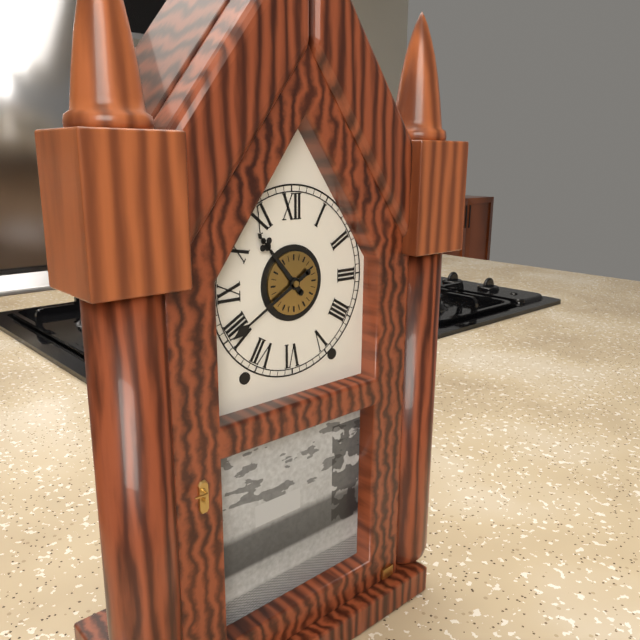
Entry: **10:40**
